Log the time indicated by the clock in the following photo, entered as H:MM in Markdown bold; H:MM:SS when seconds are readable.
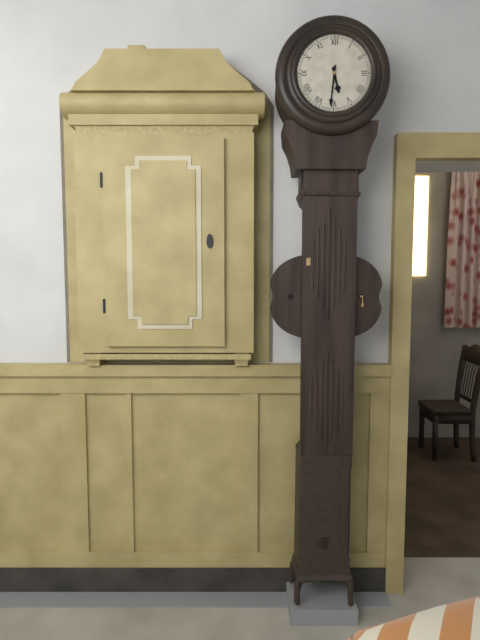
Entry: **5:31**
